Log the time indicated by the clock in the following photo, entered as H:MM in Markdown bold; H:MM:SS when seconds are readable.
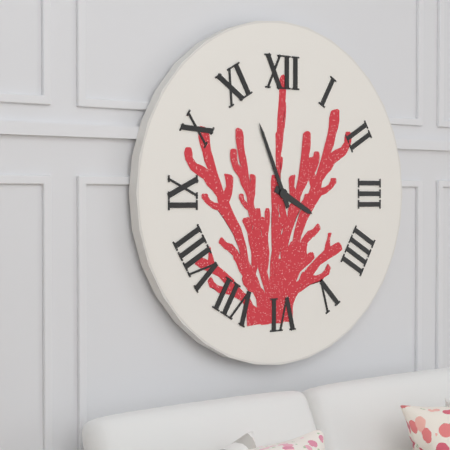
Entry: **3:56**
